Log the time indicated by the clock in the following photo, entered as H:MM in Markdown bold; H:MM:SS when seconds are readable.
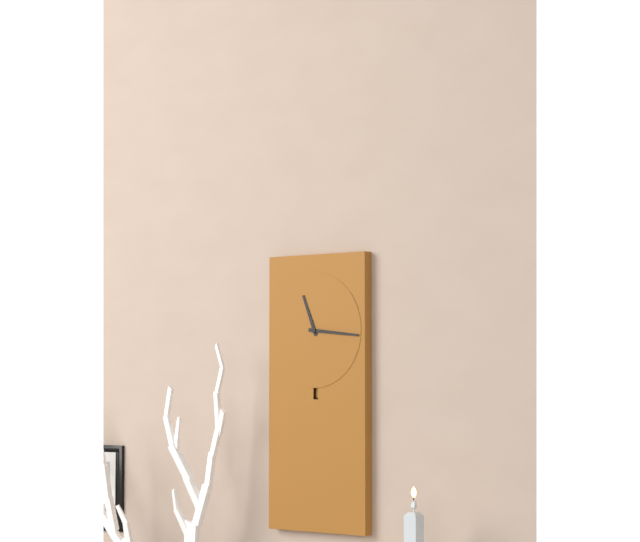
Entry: **11:16**
